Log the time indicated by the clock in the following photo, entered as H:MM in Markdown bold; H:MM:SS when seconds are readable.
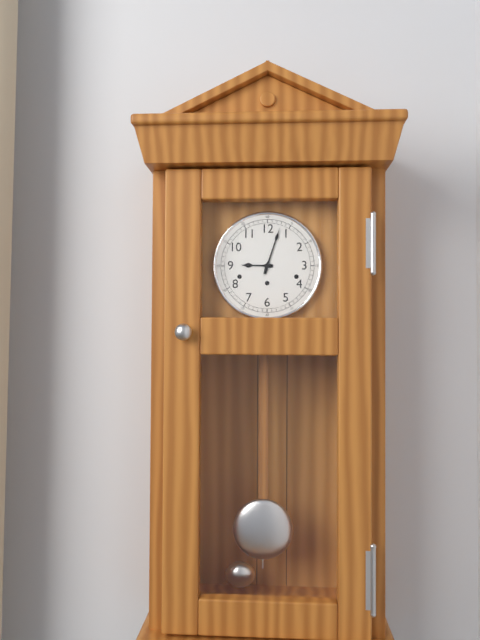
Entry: **9:03**
